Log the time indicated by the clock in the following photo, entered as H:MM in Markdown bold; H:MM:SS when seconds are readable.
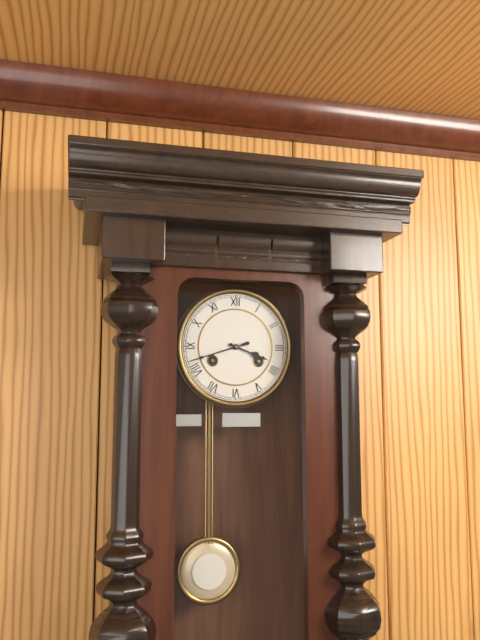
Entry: **3:42**
